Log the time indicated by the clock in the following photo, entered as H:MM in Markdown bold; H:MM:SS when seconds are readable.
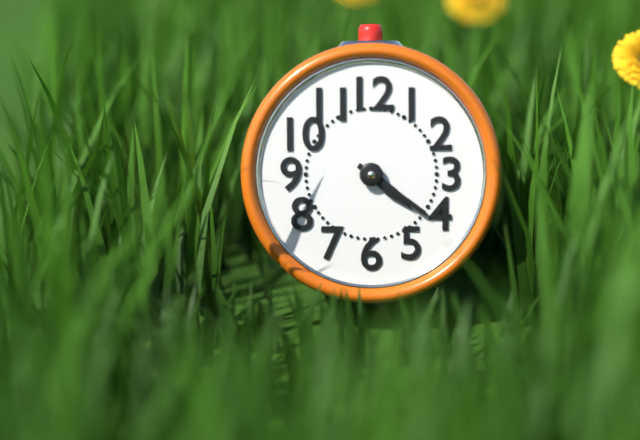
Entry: **4:21**
